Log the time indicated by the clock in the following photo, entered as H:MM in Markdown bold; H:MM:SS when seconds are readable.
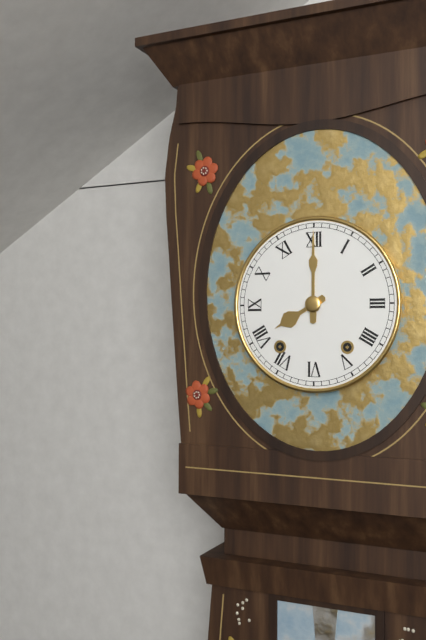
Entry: **8:00**
